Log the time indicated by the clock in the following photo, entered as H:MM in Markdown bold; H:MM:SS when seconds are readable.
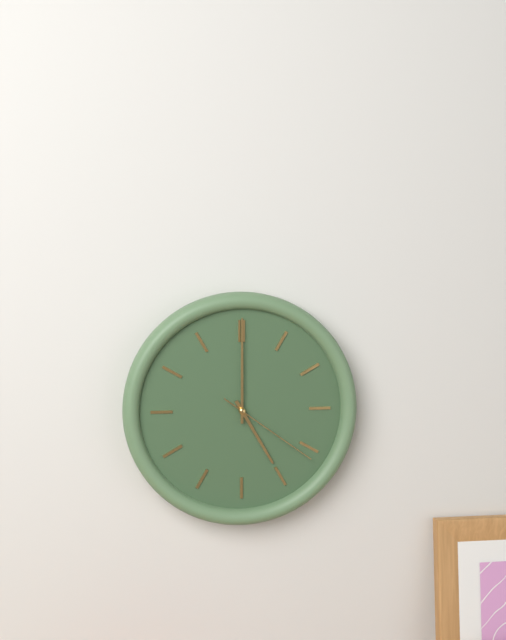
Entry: **5:00:21**
